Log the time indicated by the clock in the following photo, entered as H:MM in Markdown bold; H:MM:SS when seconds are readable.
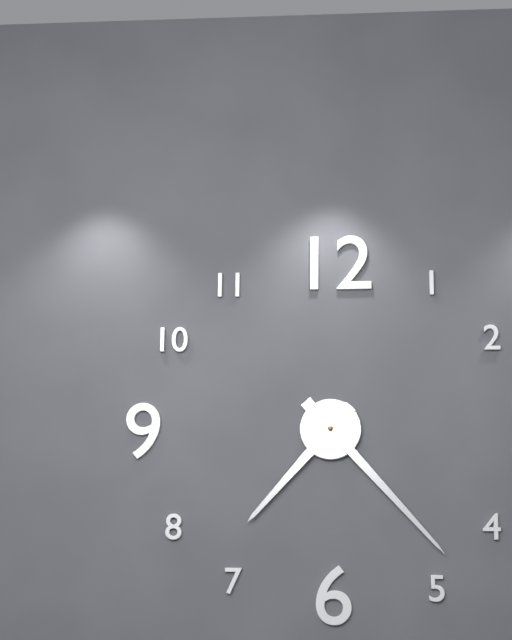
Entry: **7:23**
